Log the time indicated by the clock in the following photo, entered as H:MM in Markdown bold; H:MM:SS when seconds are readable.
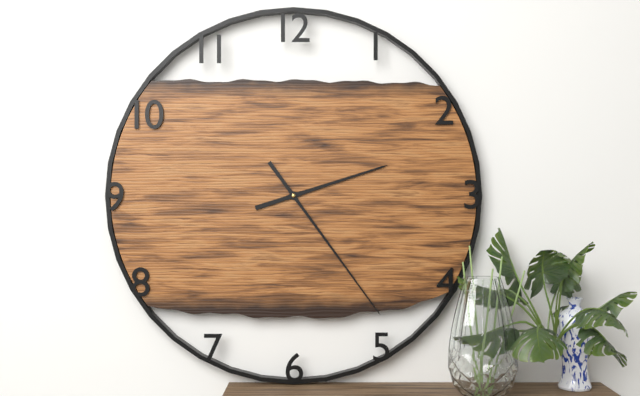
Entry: **2:24**
